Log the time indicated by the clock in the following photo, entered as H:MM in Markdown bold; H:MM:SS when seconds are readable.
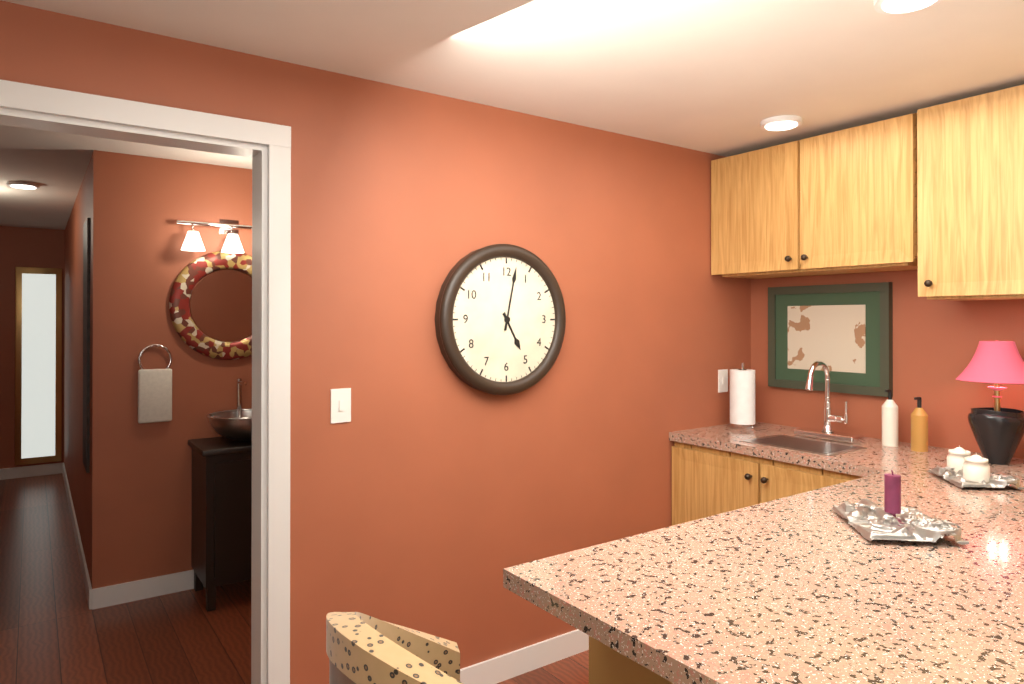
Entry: **5:02**
